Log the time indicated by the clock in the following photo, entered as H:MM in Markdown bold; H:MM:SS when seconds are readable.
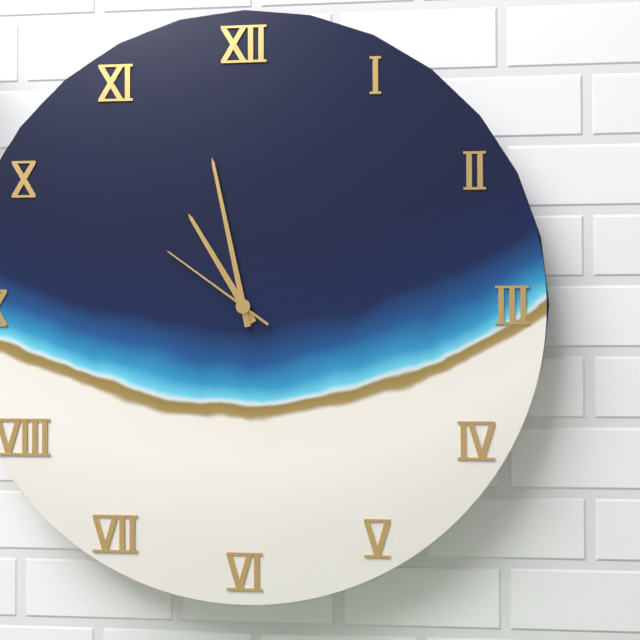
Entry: **10:58:51**
